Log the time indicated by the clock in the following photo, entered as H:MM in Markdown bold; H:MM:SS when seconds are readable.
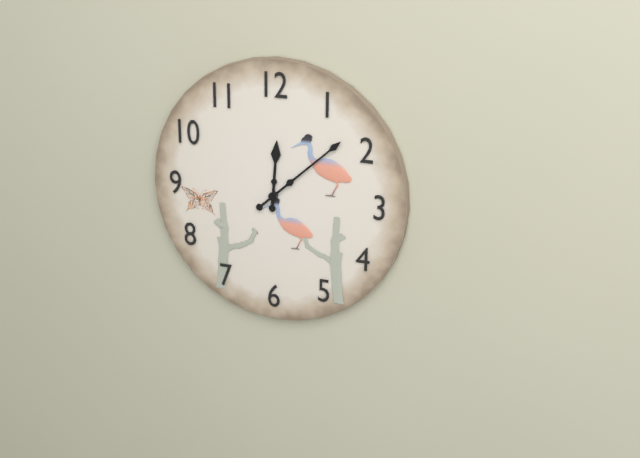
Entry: **12:08**
